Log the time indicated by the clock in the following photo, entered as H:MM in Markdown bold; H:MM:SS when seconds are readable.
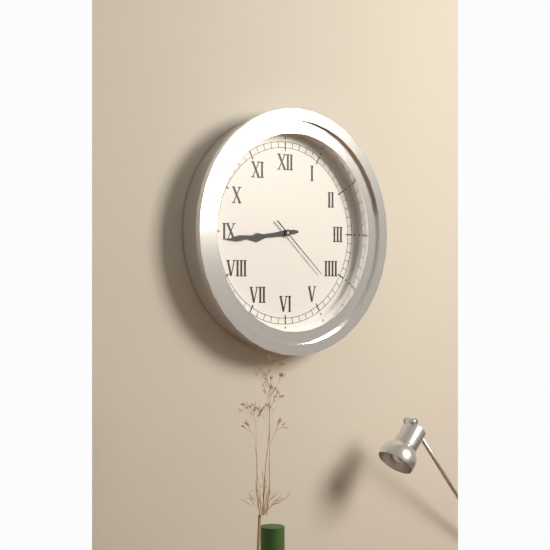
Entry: **8:44:22**
